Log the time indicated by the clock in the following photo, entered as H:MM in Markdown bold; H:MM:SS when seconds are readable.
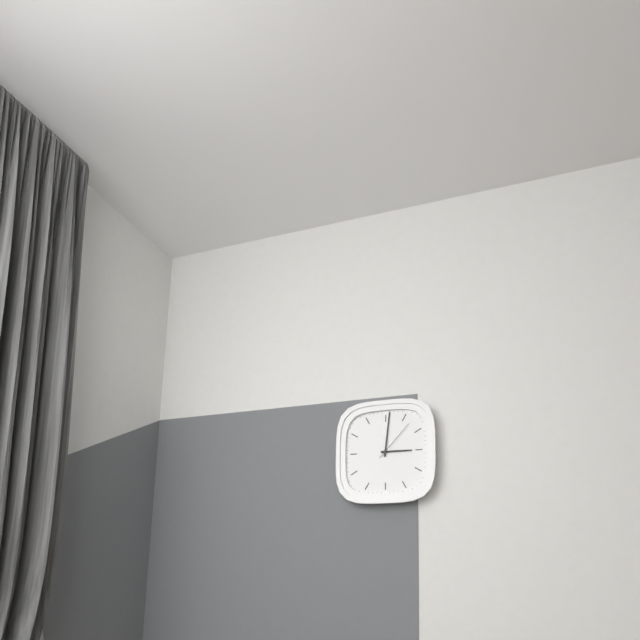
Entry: **3:01**
